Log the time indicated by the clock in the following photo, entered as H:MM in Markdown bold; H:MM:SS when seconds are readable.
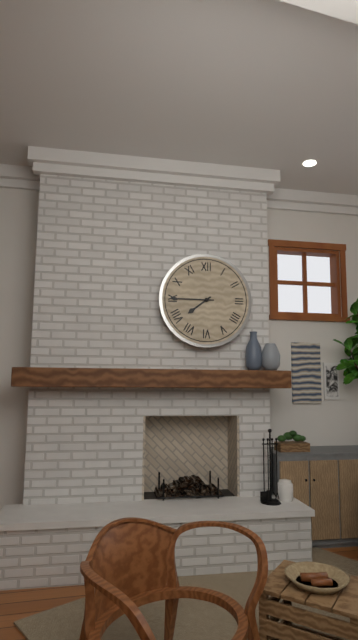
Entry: **7:45**
